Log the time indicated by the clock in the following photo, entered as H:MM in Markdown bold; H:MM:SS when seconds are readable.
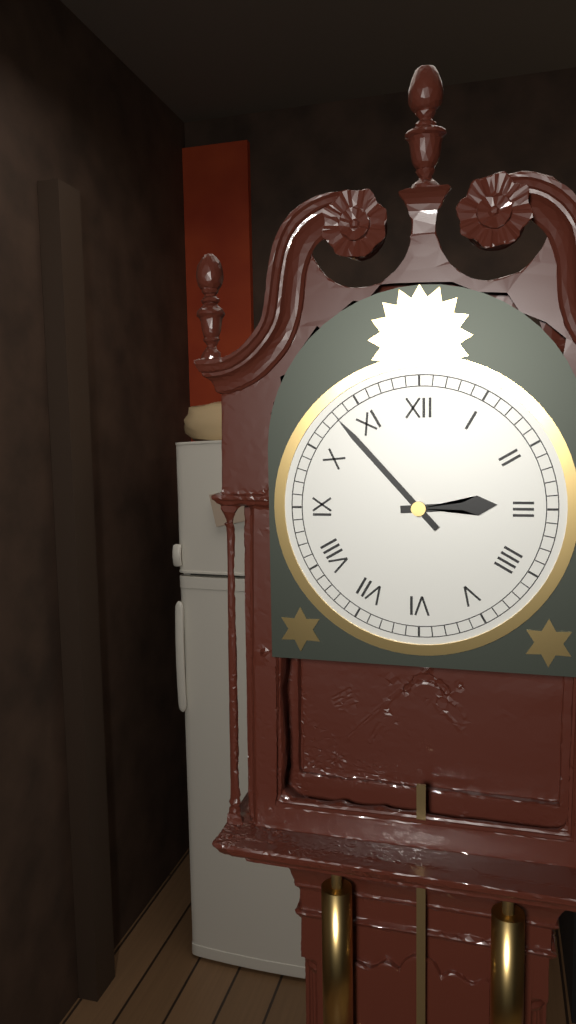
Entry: **2:53**
